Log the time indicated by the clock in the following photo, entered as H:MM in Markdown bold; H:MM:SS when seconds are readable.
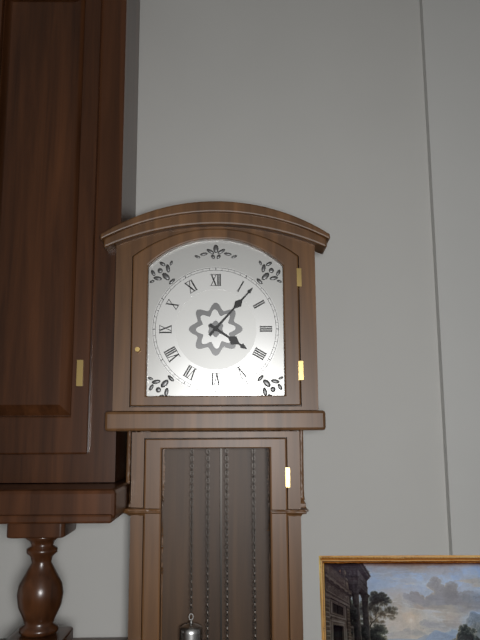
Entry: **4:07**
